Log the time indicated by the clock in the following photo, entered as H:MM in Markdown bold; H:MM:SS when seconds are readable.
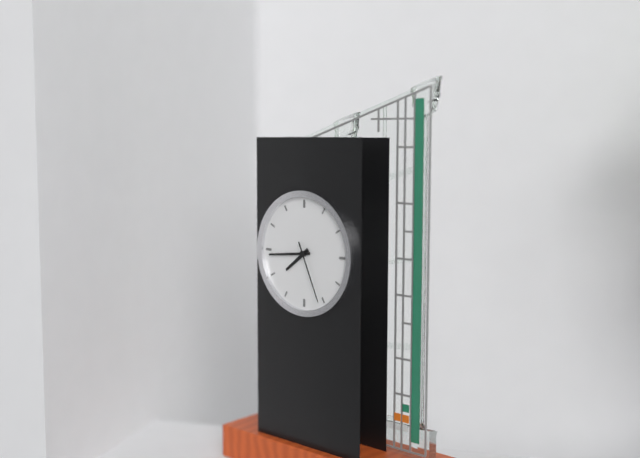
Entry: **7:44:26**
